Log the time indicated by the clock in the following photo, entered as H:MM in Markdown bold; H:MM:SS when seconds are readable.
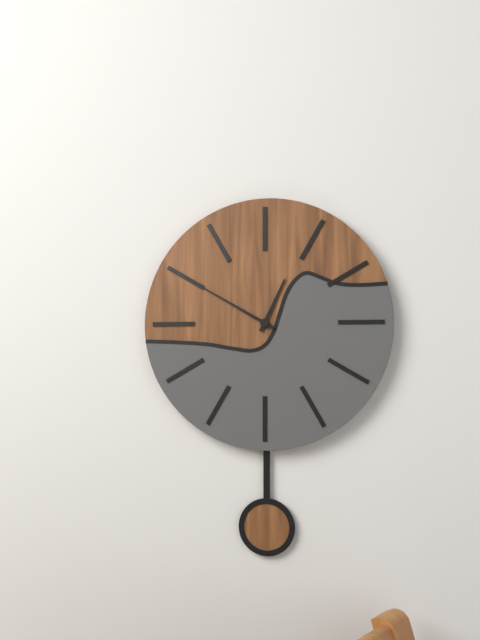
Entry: **12:50**
